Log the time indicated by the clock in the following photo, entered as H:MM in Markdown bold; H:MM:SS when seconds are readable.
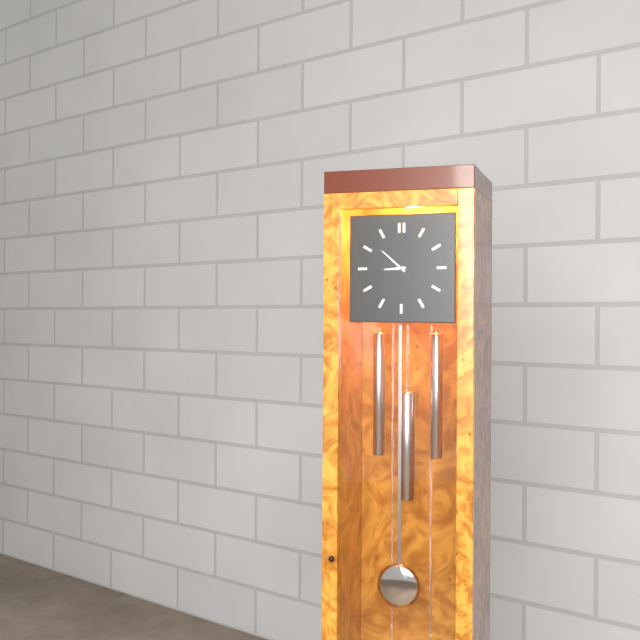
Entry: **8:52**
